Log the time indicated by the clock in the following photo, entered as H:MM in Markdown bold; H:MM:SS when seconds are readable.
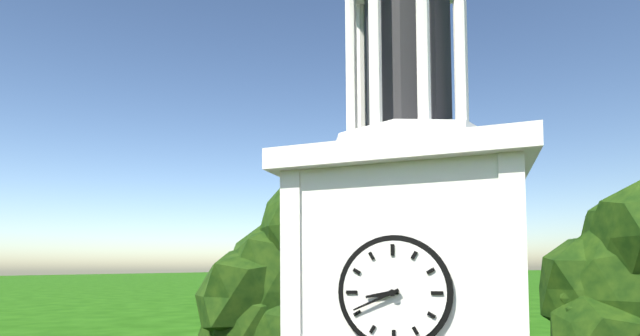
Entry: **8:41**
